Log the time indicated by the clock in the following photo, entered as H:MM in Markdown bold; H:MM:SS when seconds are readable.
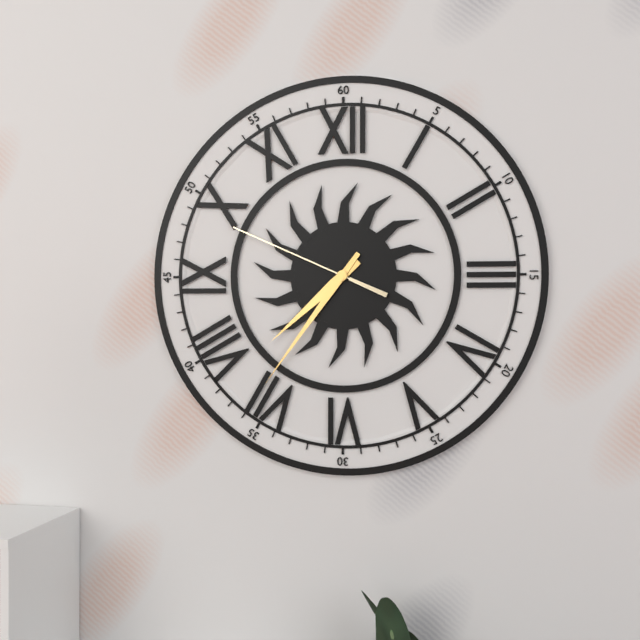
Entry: **7:36:49**
